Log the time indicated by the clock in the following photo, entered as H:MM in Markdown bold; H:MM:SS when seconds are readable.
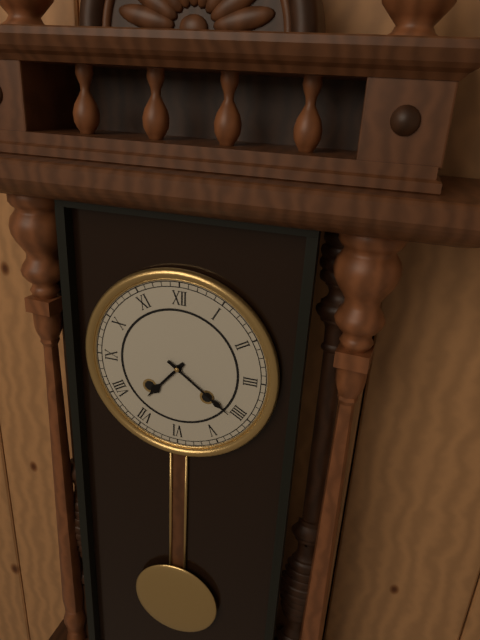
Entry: **7:21**
